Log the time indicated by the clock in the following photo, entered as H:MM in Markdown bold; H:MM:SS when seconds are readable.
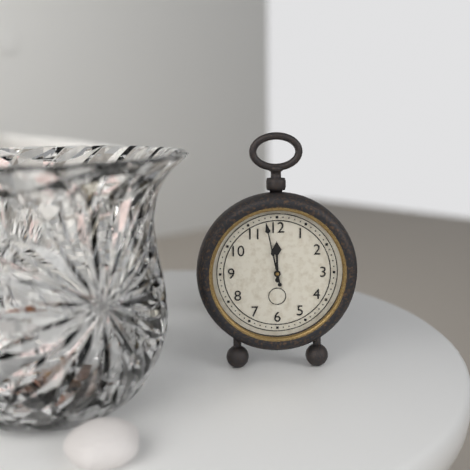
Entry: **11:58**
